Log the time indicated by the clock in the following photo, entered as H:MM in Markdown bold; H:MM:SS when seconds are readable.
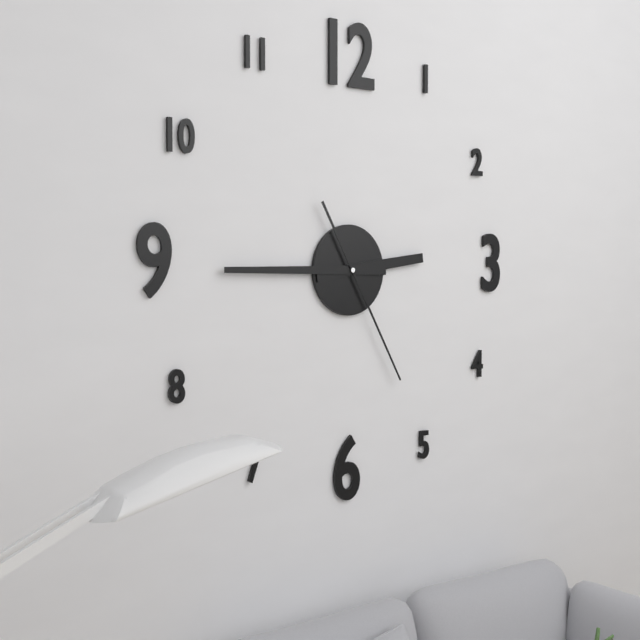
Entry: **2:45:25**
